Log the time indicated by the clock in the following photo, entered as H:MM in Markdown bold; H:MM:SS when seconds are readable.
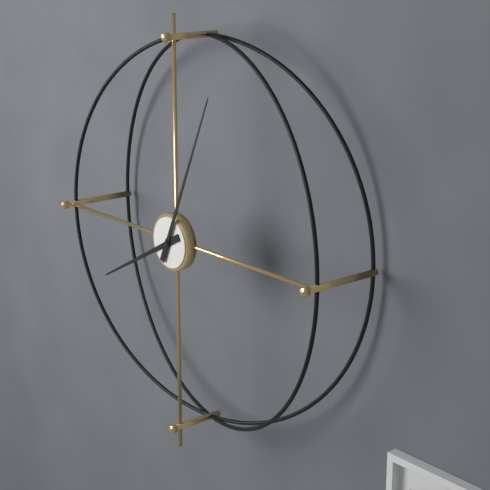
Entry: **8:04**
